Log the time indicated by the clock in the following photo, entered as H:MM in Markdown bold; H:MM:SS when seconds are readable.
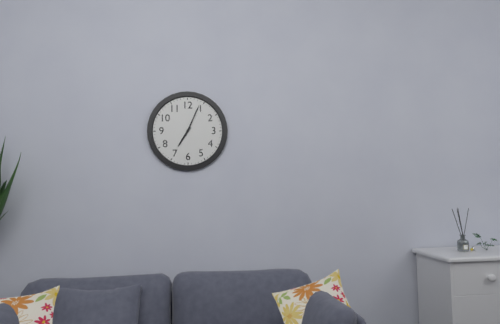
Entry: **7:04**
